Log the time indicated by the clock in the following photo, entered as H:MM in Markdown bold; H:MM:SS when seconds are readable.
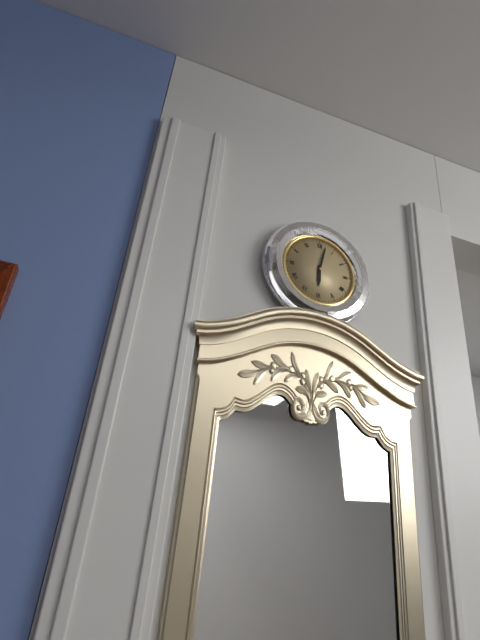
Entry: **6:02**
